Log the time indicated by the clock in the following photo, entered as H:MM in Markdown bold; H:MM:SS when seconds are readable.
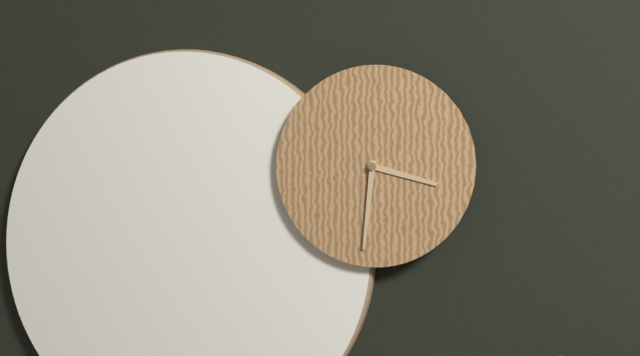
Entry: **3:31**
